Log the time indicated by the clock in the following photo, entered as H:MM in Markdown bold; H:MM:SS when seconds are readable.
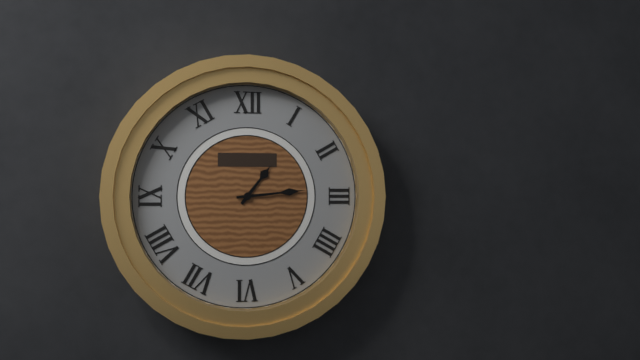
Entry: **1:14**
